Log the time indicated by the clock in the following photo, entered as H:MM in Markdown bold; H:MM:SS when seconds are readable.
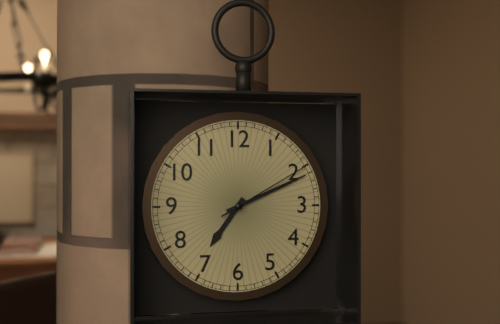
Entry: **7:11:10**
